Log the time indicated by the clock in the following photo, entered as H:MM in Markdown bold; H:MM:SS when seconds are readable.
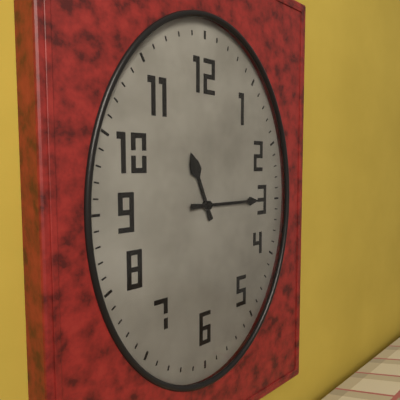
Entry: **11:15**
